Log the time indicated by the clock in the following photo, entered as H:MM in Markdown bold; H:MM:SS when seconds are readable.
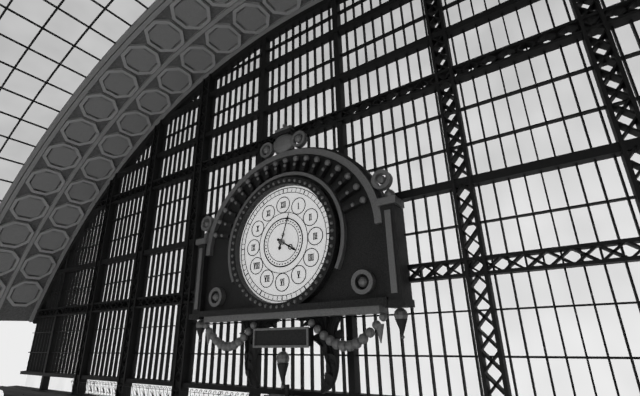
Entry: **4:03**
